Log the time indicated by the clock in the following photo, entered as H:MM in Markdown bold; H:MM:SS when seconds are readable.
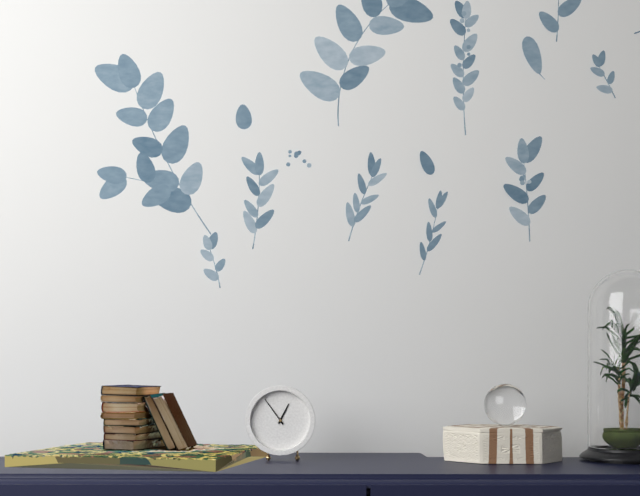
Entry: **12:54**
